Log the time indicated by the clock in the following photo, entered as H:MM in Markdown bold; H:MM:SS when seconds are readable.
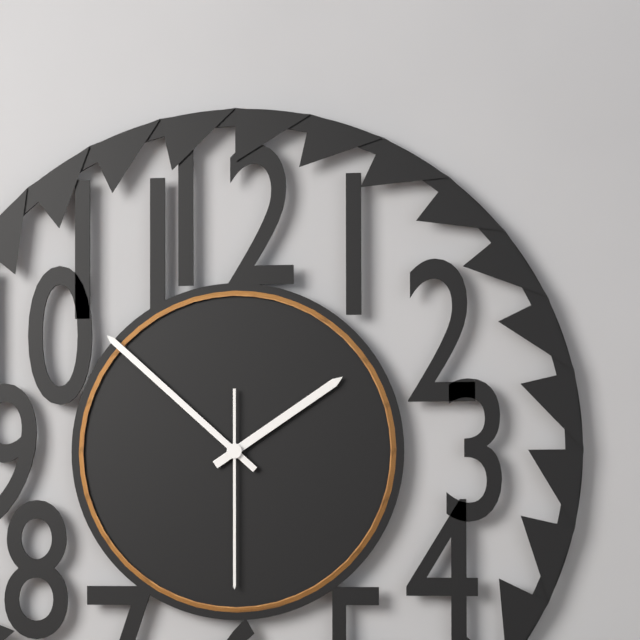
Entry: **1:52:30**
